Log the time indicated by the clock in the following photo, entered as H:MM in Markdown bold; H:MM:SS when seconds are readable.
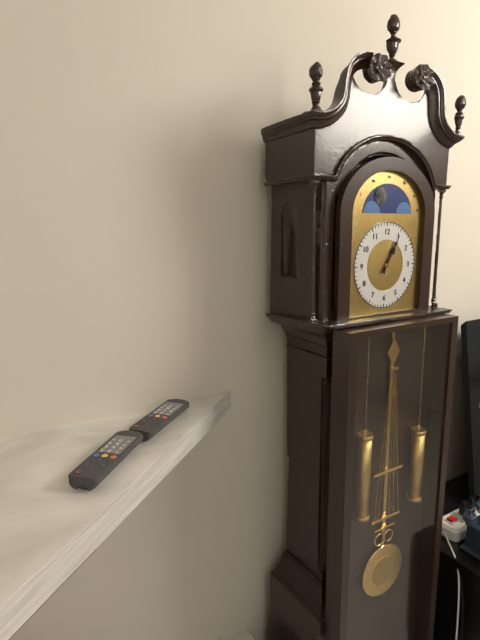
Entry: **1:05**
